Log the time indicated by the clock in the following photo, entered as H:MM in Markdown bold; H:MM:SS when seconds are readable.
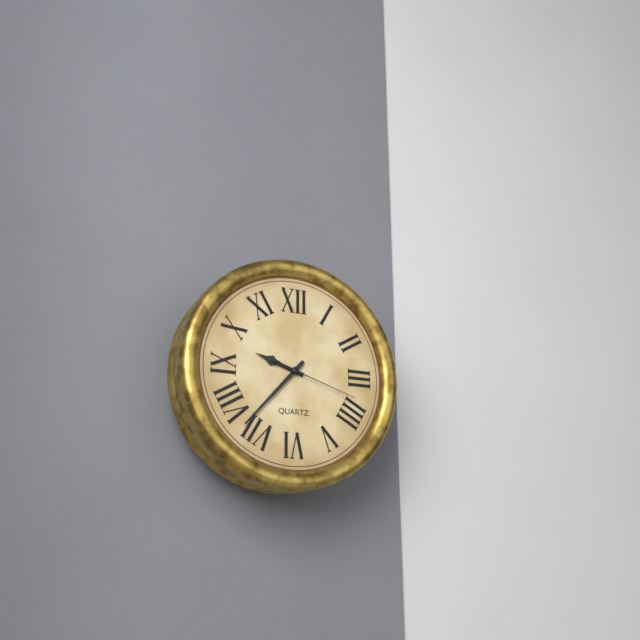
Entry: **9:37:18**
